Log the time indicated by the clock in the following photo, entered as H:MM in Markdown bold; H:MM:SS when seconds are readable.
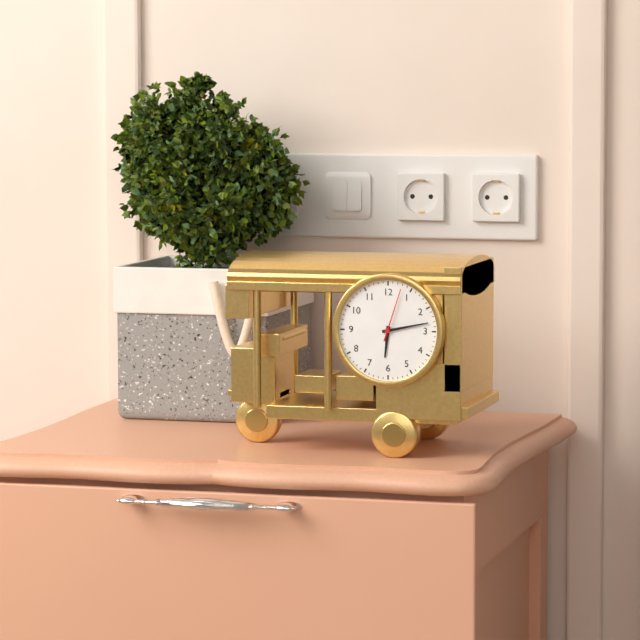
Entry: **6:13:03**
